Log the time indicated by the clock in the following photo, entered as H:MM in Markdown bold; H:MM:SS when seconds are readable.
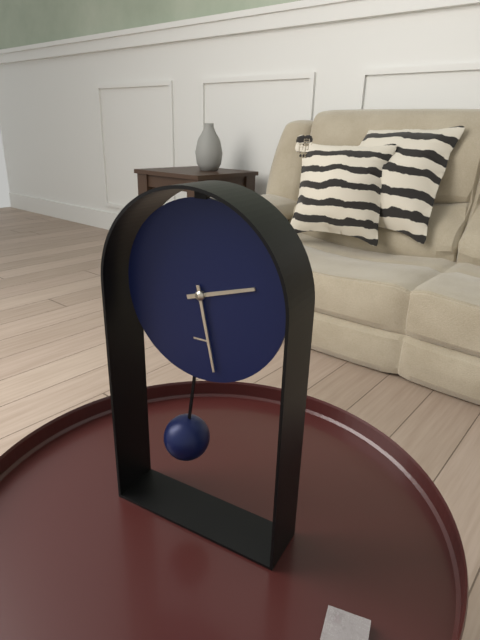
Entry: **2:28**
